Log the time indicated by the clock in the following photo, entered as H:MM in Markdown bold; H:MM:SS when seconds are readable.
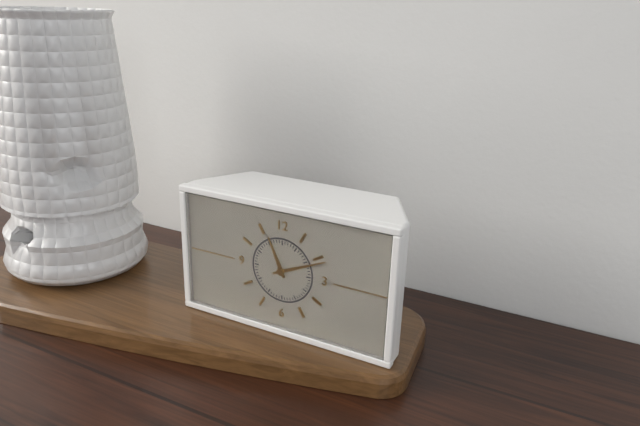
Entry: **11:11**
